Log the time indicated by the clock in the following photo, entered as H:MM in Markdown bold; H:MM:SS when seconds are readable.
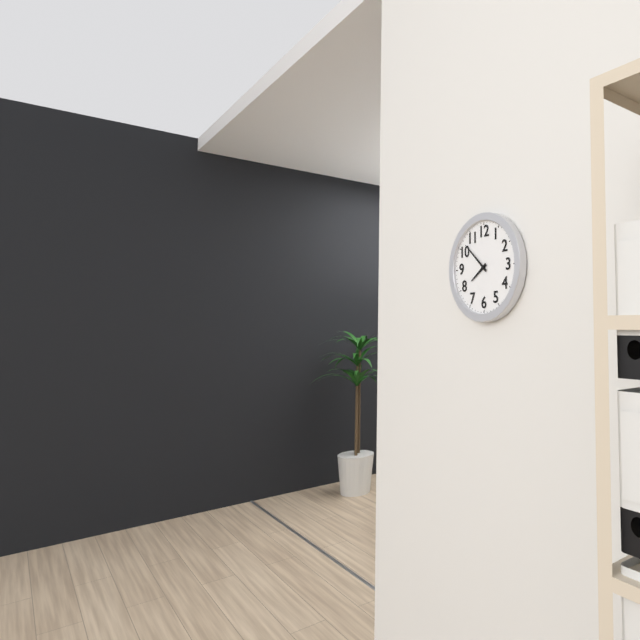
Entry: **7:52**
